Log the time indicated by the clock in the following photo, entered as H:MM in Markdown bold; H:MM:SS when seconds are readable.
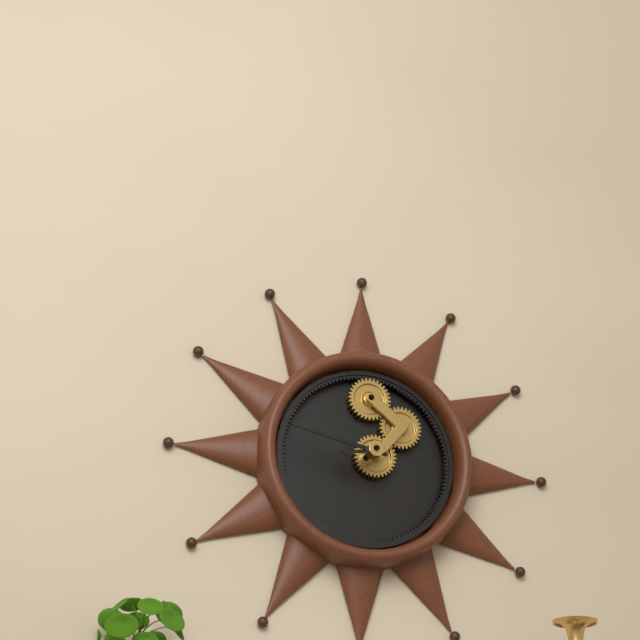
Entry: **8:47**
